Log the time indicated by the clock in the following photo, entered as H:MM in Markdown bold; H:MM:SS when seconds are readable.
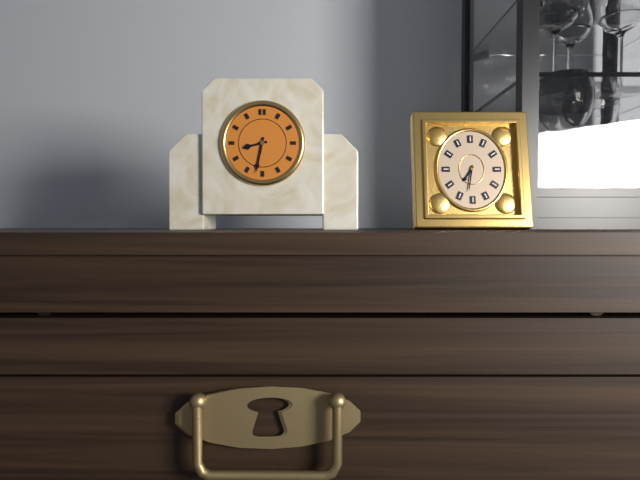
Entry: **8:32**
